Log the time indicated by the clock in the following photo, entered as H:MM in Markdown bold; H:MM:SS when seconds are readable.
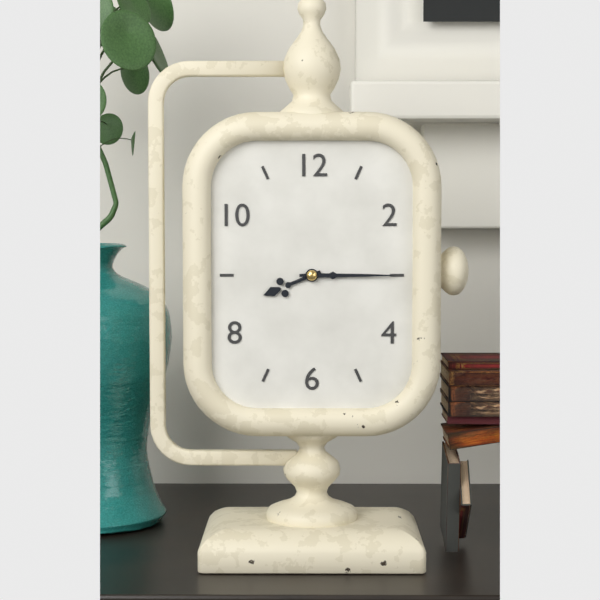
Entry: **8:15**
